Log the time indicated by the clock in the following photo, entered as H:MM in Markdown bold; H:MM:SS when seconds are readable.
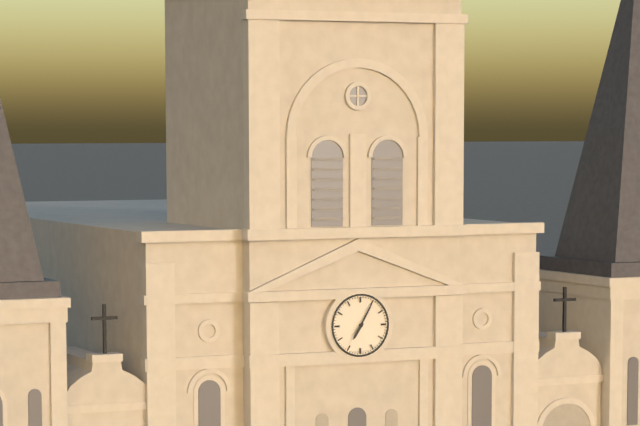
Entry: **7:05**
